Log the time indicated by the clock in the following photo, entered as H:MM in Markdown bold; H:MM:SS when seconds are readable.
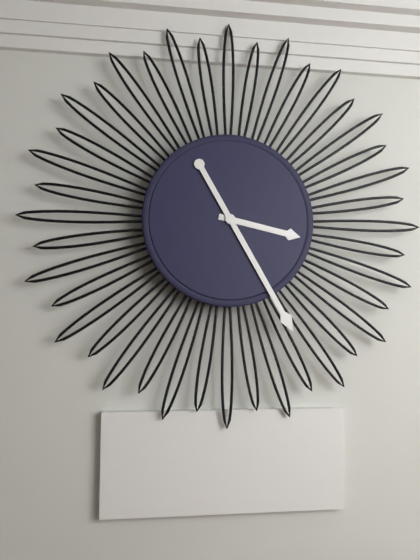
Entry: **3:25**
